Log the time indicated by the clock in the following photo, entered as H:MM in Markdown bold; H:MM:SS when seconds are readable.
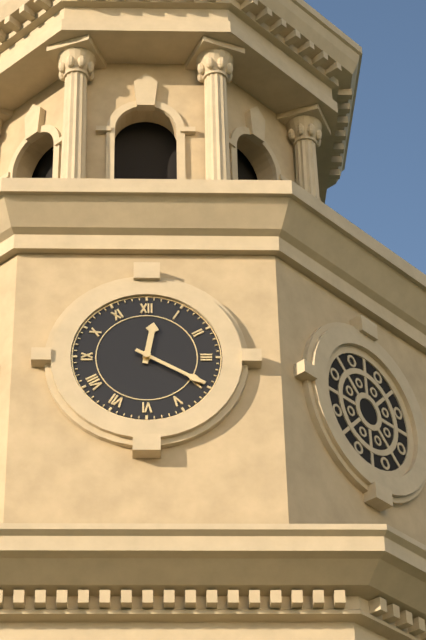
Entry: **12:20**
